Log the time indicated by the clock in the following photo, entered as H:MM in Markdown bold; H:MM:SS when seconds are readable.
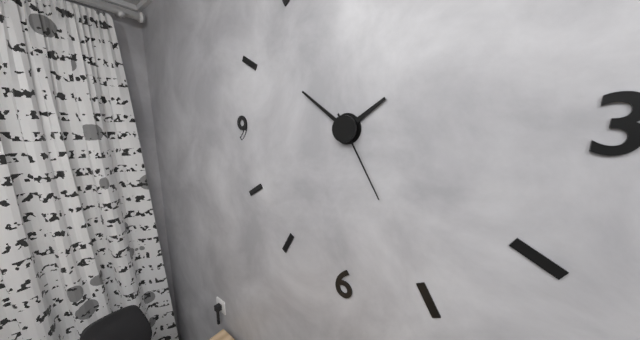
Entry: **1:51:25**
